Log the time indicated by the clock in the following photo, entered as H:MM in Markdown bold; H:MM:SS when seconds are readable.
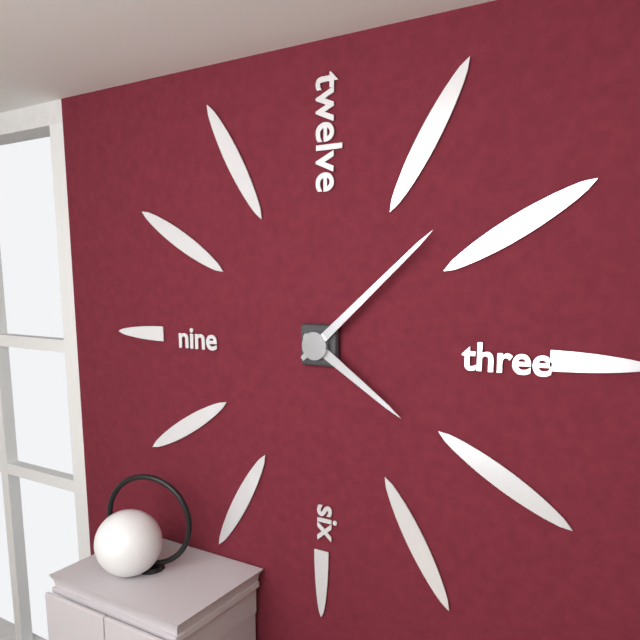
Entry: **4:08**
